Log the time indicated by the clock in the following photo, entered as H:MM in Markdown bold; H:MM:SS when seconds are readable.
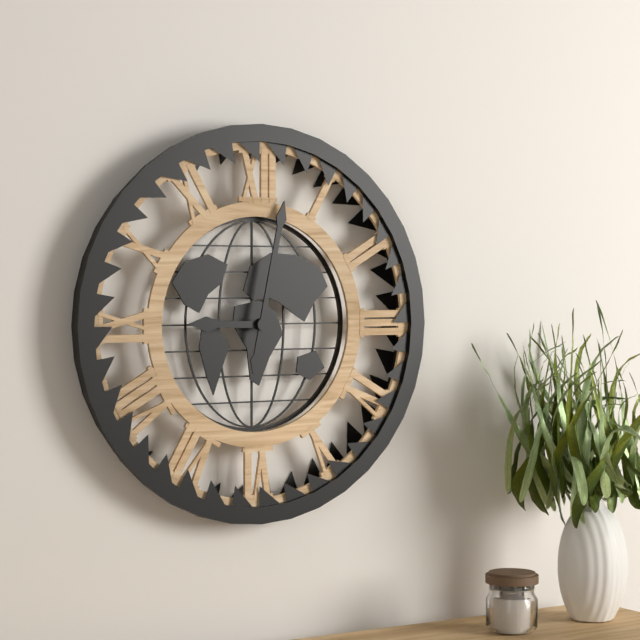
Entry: **9:02**
